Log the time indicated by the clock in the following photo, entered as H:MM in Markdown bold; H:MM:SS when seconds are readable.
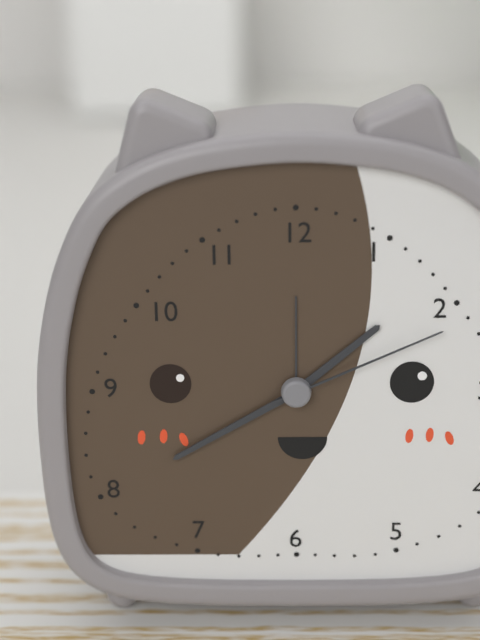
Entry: **1:40:11**
